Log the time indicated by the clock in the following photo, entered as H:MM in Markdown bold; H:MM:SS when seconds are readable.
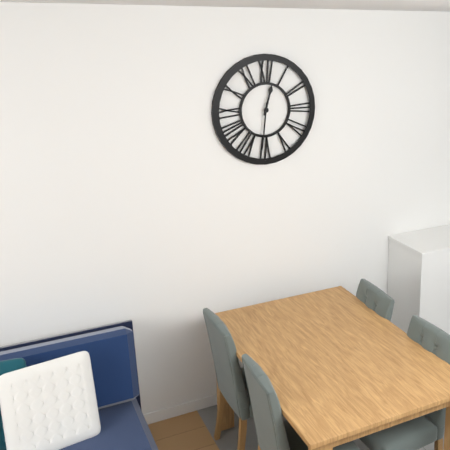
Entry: **12:31**
